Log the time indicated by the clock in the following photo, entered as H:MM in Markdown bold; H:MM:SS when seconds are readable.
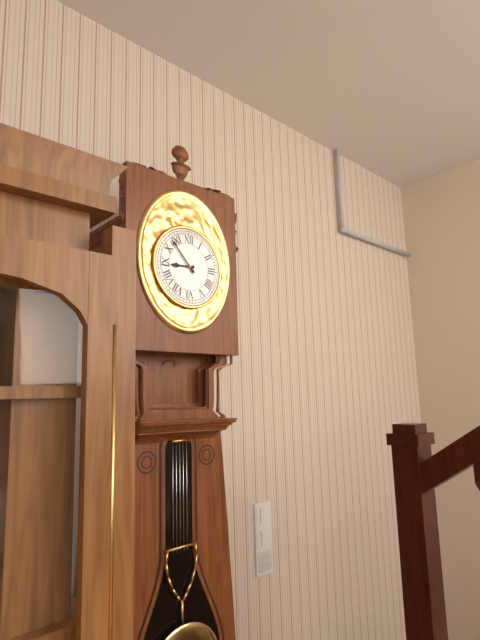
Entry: **8:53**
